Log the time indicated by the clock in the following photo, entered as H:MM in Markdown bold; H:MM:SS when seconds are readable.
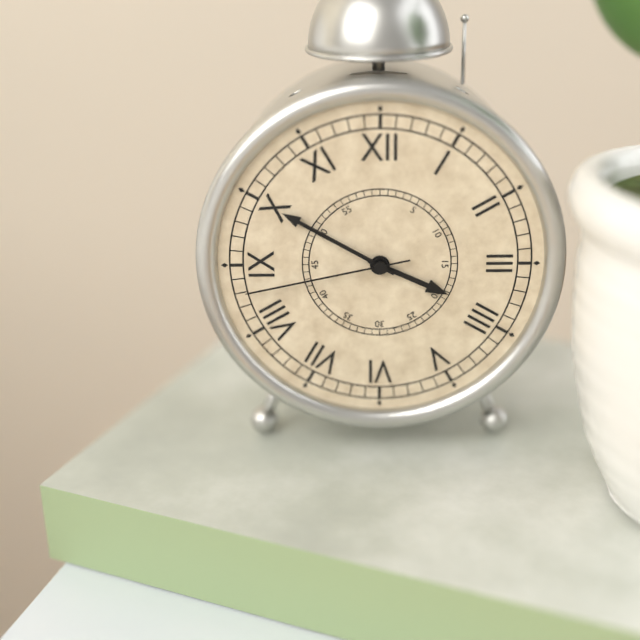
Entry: **3:50:43**
